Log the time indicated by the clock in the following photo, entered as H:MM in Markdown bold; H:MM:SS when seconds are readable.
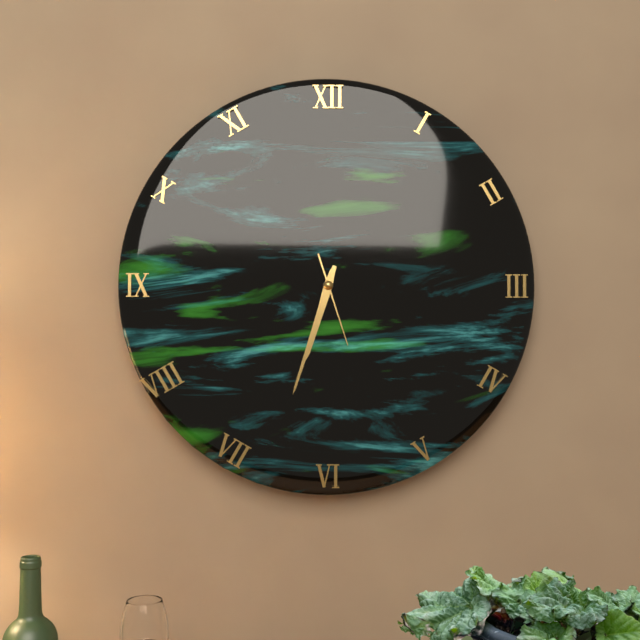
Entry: **6:33:27**
